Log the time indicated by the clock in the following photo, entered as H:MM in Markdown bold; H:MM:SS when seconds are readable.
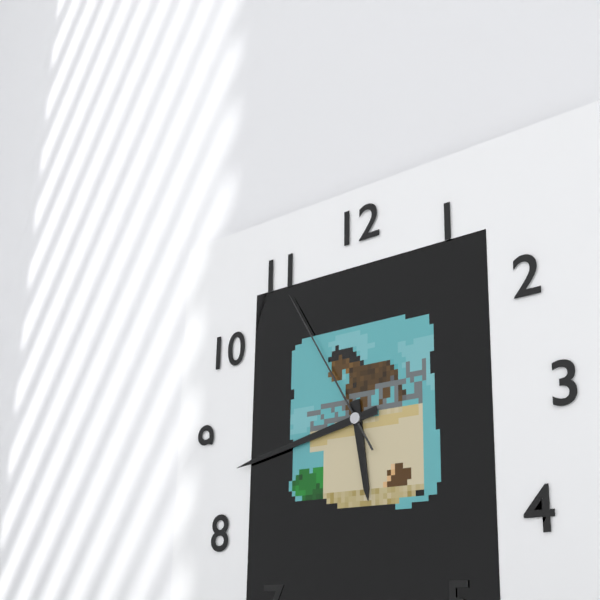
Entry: **5:43:55**
